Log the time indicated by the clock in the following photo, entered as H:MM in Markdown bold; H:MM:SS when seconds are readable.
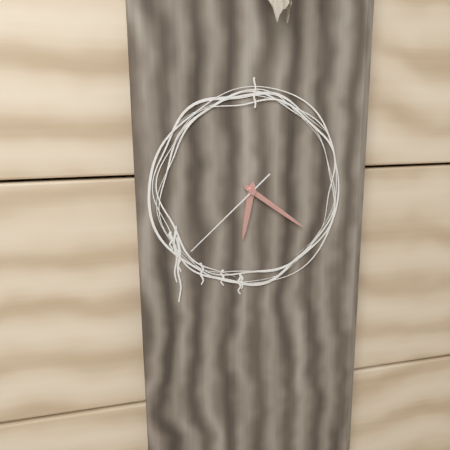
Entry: **6:21:38**
